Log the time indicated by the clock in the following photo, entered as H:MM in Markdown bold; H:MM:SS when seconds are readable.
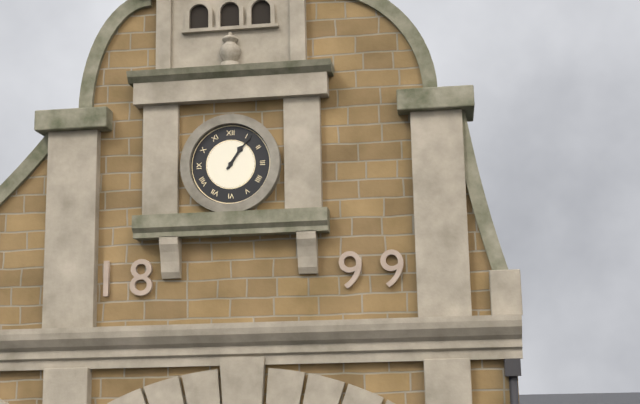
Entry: **1:06**
